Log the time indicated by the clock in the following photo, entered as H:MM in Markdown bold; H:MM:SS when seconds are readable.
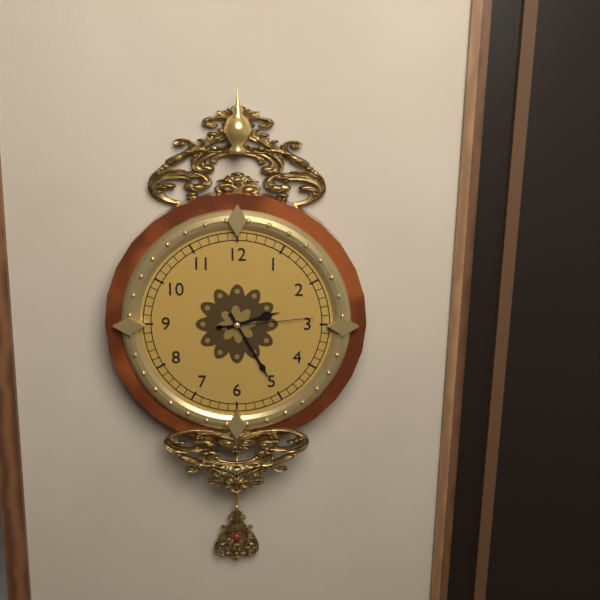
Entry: **2:25:14**
